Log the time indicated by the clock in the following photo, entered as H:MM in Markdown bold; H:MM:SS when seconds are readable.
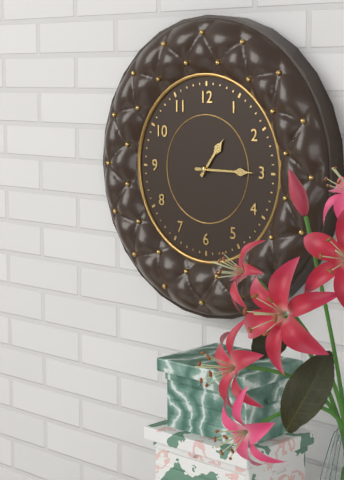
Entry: **1:15**
